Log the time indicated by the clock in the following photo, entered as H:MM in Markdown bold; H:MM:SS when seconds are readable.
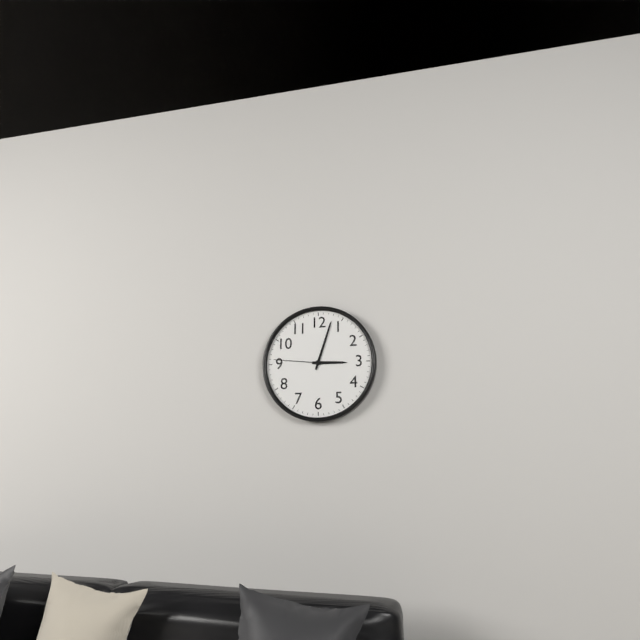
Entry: **3:03:46**
